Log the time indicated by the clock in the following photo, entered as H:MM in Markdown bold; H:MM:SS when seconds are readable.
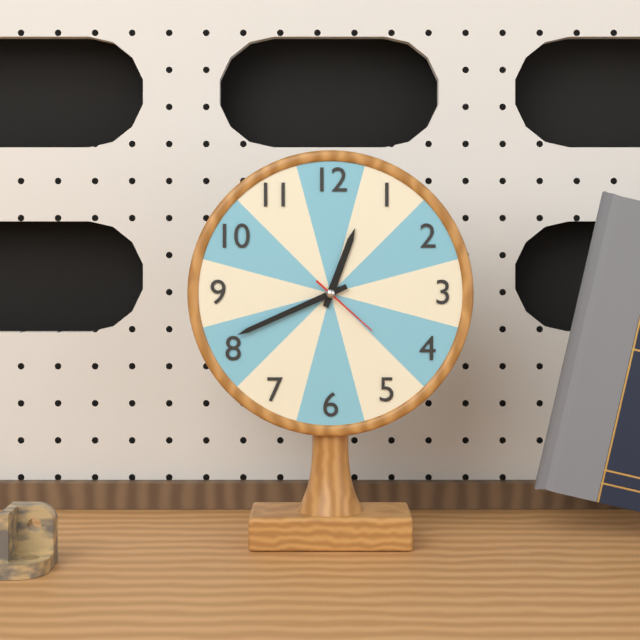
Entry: **12:41:22**
